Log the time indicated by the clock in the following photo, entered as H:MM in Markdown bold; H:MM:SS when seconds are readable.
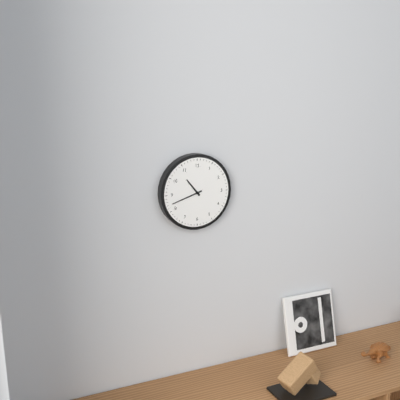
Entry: **10:42**
